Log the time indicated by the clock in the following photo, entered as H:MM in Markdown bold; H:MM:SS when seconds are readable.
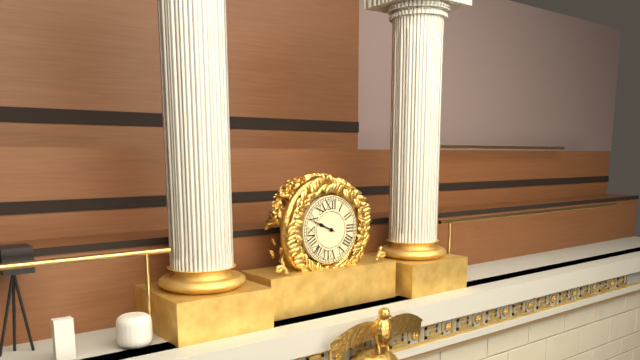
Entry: **9:49**
